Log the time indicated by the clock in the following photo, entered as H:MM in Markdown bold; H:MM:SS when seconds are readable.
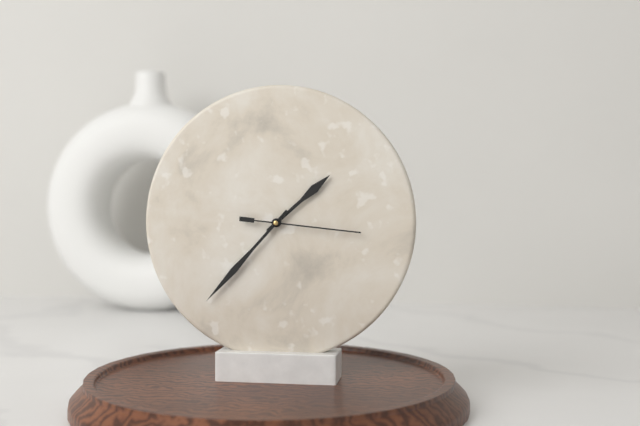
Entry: **1:37:16**
